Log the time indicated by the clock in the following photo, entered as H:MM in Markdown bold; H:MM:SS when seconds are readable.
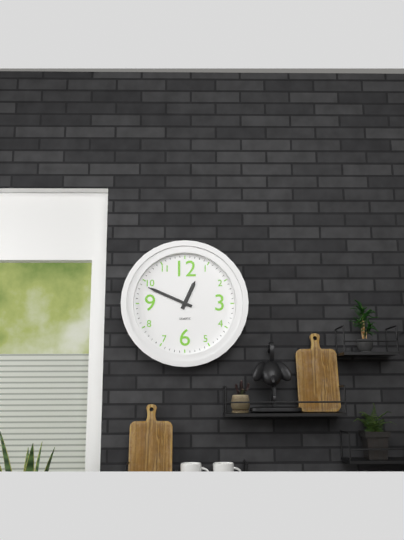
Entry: **12:49**
